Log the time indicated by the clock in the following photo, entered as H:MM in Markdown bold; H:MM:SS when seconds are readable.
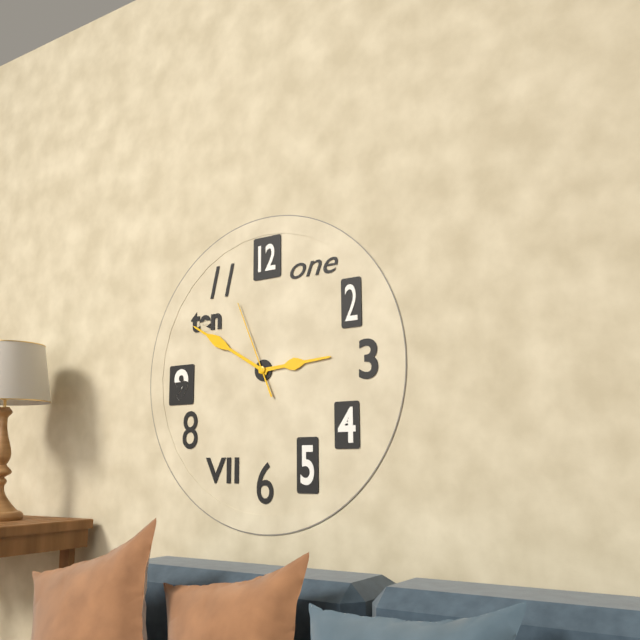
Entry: **2:50:56**
